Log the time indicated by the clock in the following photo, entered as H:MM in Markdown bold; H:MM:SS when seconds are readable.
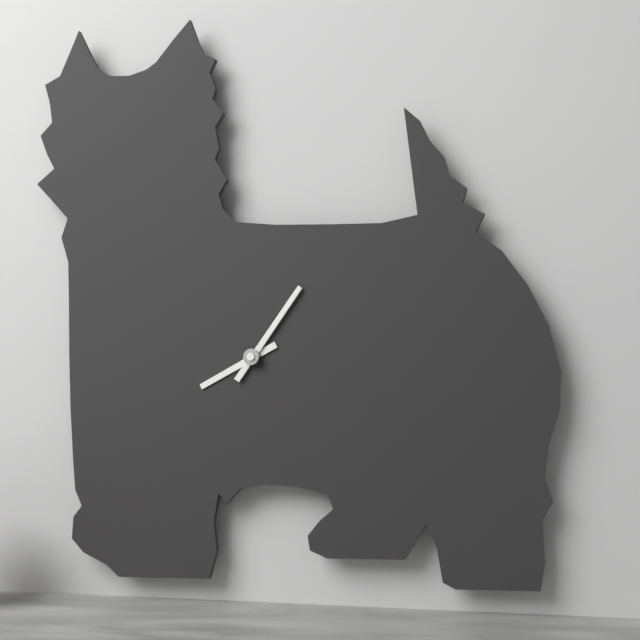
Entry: **8:06**
